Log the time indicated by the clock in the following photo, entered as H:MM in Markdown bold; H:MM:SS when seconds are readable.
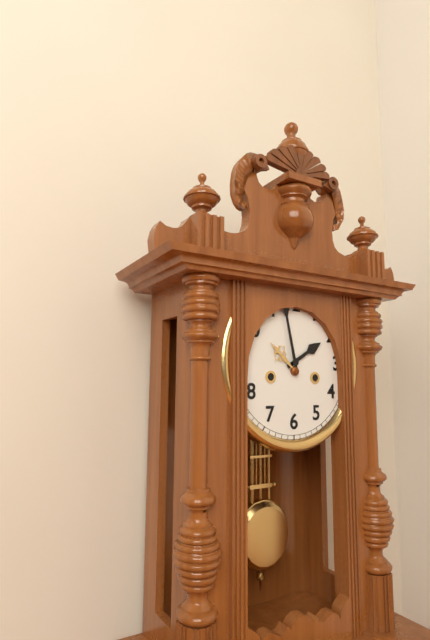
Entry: **1:58**
